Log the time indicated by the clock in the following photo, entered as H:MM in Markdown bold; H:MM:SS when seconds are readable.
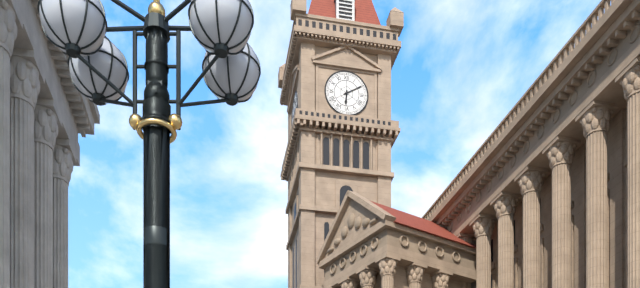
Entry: **6:10**
